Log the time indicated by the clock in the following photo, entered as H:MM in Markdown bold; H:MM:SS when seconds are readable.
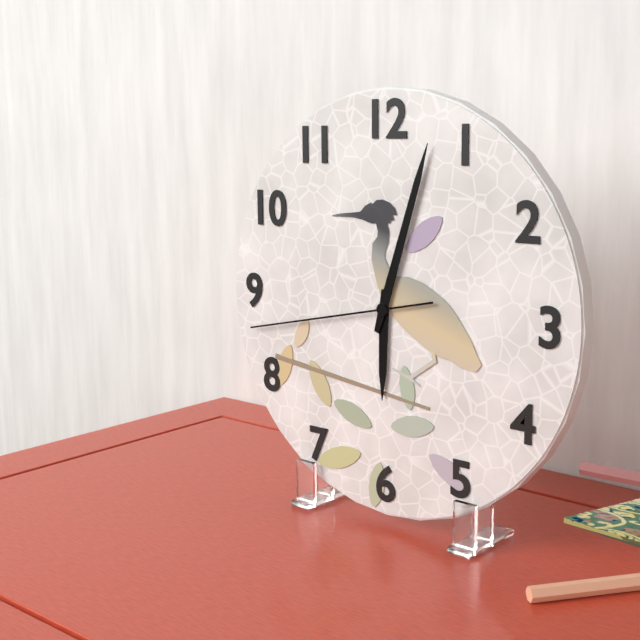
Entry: **6:03:43**
